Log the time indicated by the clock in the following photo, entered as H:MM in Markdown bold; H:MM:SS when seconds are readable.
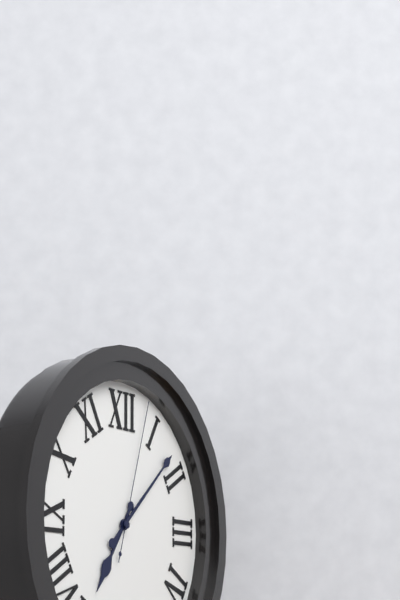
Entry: **7:08:03**
